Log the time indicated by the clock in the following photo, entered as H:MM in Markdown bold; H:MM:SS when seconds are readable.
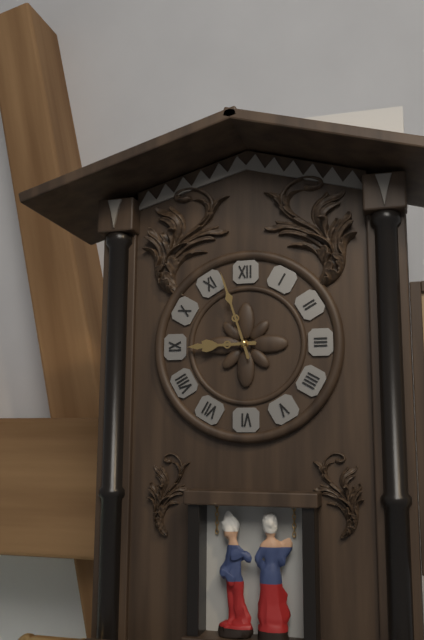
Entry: **8:57**
